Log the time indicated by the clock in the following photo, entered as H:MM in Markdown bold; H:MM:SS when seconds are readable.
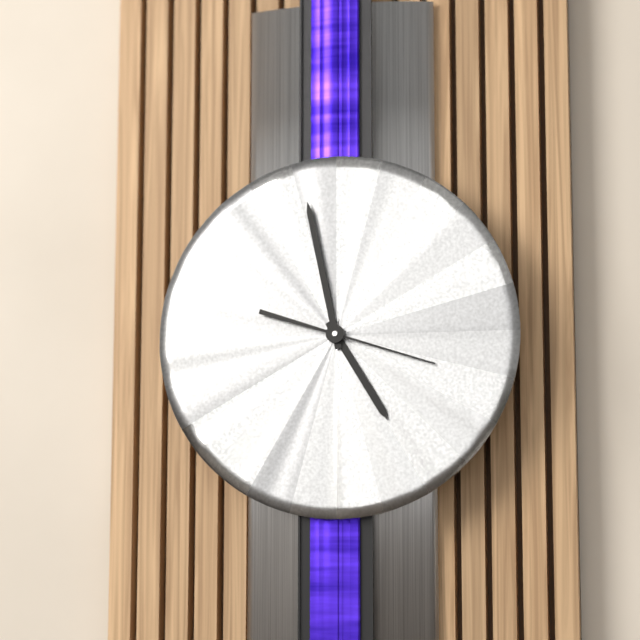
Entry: **4:58:18**
